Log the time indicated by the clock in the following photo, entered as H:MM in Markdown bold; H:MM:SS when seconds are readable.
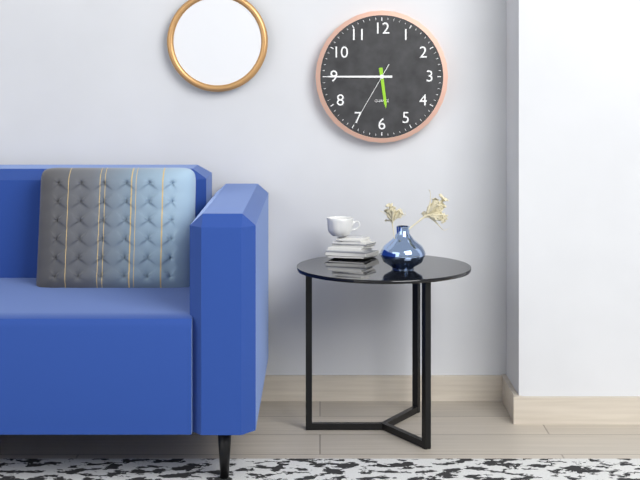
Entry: **5:45:35**
